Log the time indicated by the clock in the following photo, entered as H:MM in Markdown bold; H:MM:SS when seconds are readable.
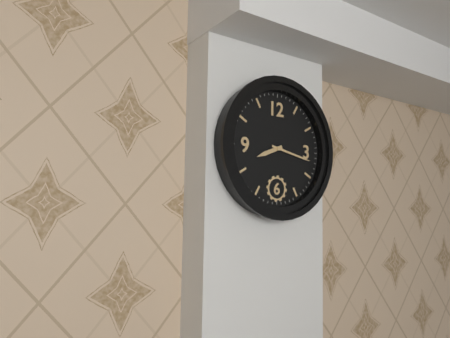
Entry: **8:17**
